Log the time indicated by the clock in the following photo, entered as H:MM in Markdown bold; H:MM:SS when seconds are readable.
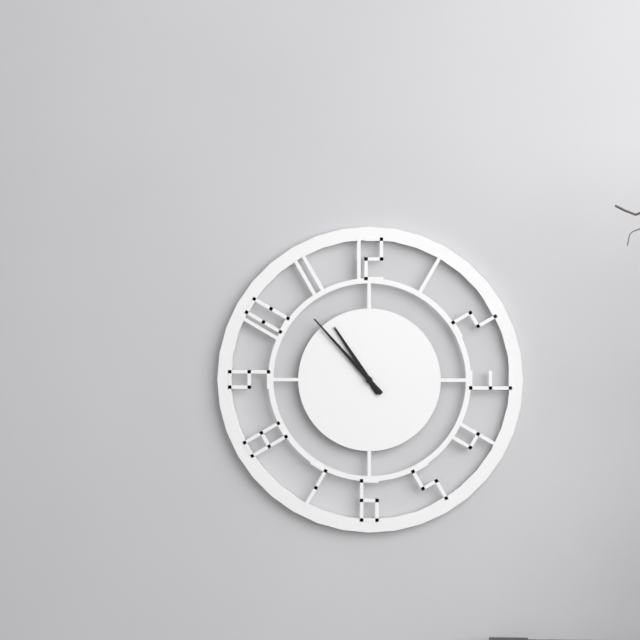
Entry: **10:53**
